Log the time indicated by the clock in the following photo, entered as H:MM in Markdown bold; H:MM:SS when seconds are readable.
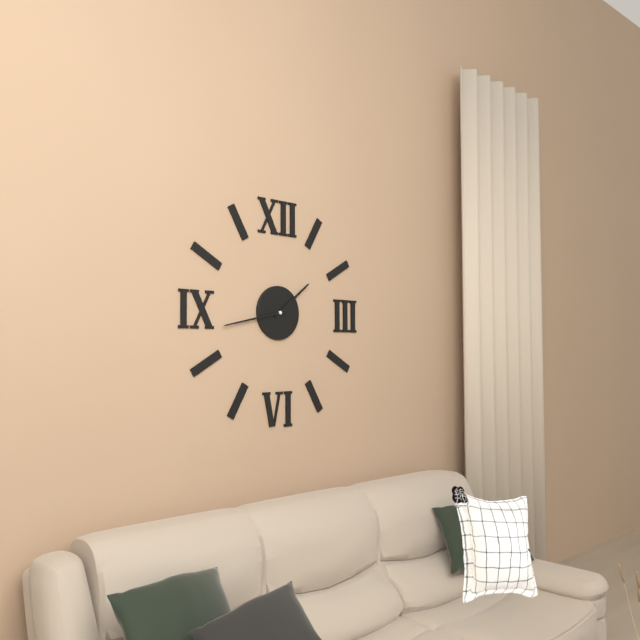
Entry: **1:43**
